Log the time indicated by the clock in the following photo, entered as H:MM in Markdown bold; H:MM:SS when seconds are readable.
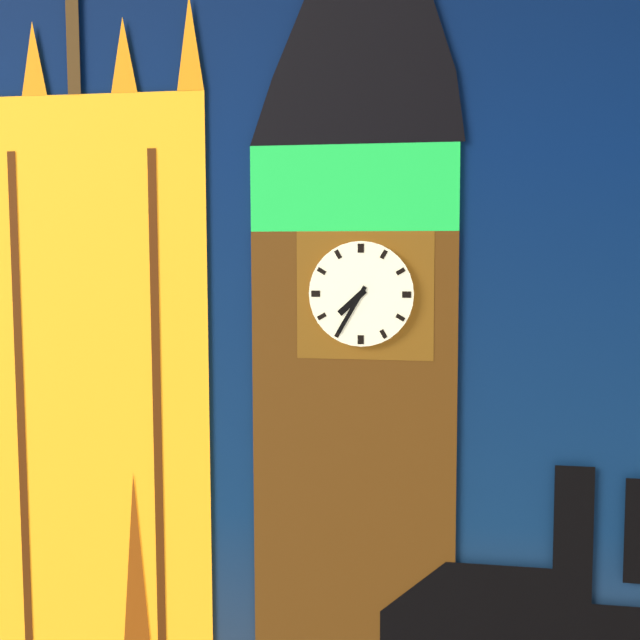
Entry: **7:35**
